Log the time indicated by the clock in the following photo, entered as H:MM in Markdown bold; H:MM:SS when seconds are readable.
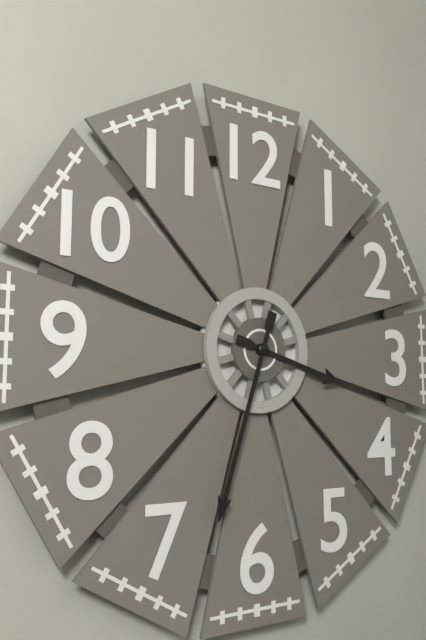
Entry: **3:33**
